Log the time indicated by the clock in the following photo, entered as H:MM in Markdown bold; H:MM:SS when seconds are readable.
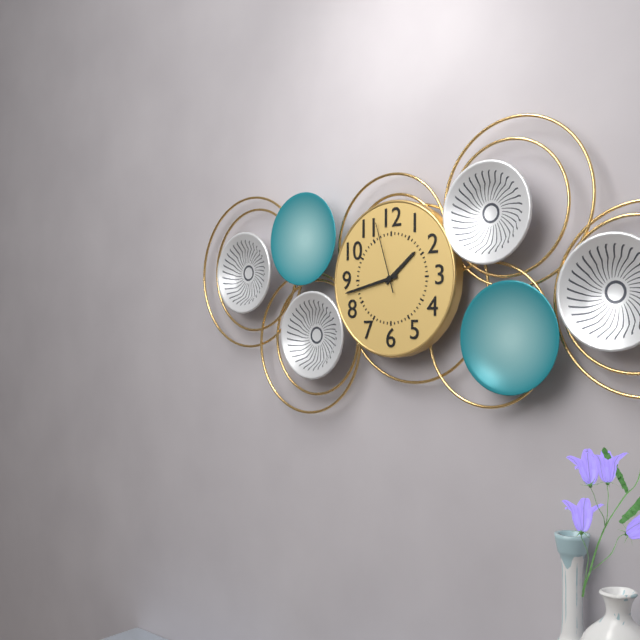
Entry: **1:43:57**
